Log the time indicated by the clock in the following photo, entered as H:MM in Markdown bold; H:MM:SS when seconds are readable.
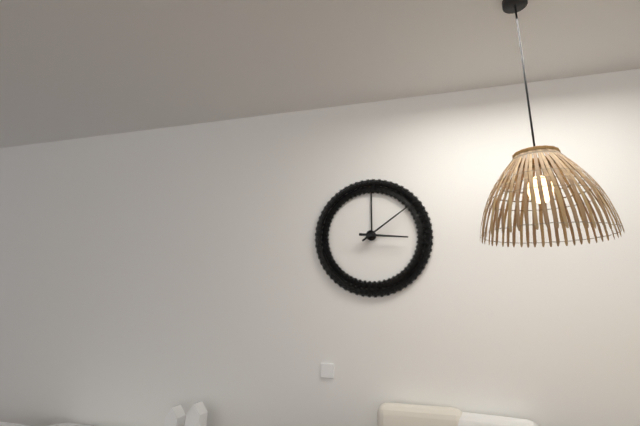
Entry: **3:09**
